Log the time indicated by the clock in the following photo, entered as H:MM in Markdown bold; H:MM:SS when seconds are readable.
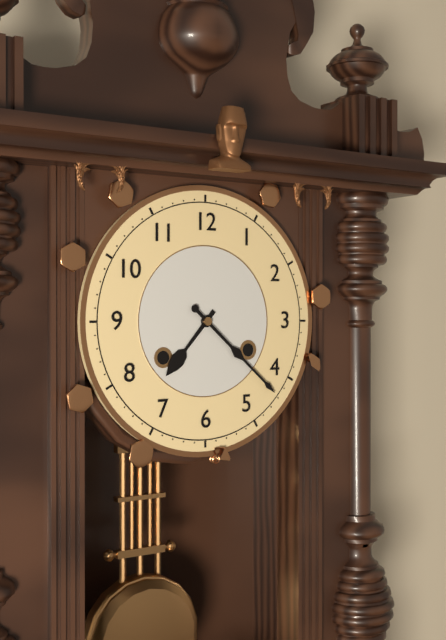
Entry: **7:22**
